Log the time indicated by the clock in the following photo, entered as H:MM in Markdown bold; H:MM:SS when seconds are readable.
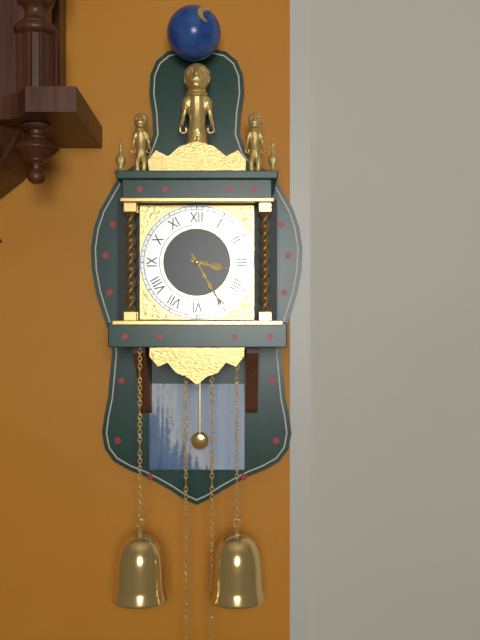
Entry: **3:25**
